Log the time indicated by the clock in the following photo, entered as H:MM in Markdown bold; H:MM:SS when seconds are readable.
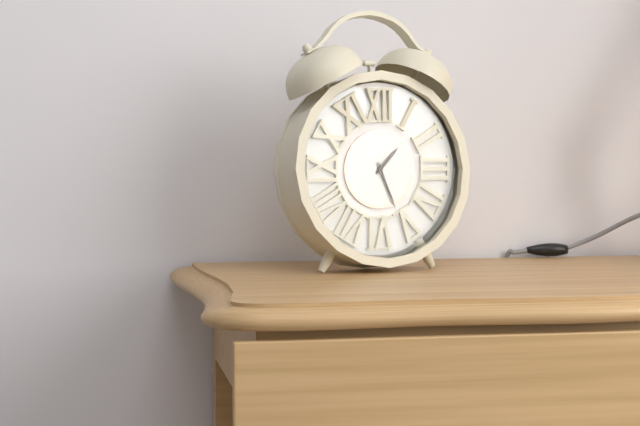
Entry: **1:26**
